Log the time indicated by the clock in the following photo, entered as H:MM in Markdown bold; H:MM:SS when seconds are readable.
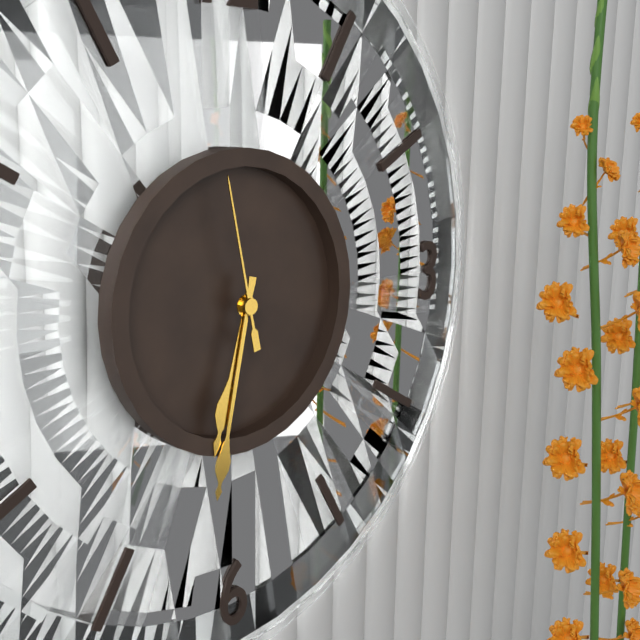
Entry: **6:32:58**
